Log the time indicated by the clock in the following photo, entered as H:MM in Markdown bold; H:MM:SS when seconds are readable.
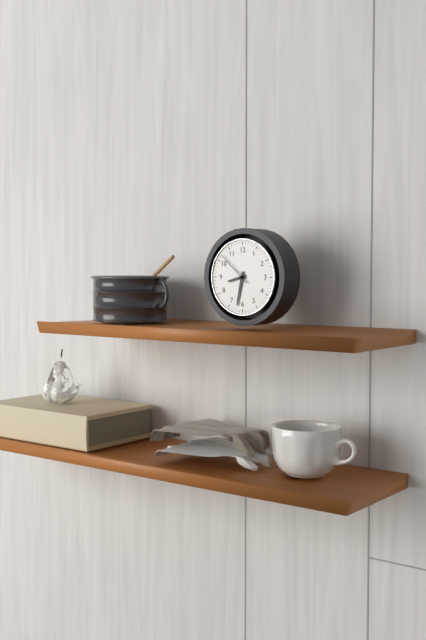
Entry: **8:32**
